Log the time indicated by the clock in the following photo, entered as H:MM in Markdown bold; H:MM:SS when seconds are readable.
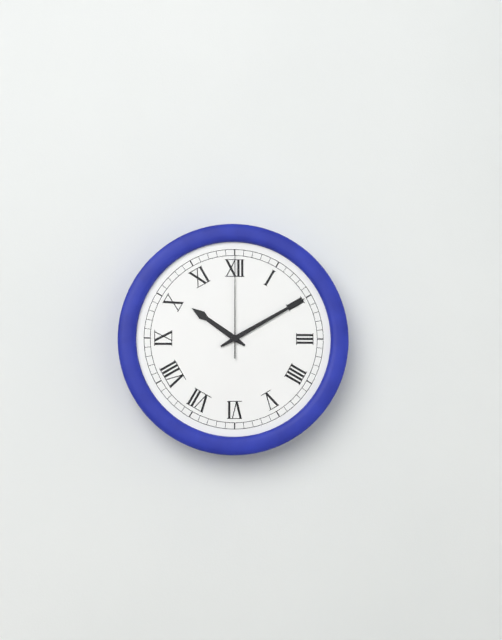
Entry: **10:10:00**
